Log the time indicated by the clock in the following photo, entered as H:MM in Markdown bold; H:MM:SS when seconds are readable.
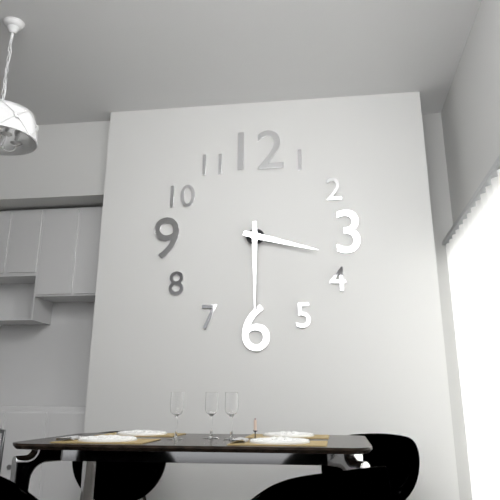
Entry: **3:30**
